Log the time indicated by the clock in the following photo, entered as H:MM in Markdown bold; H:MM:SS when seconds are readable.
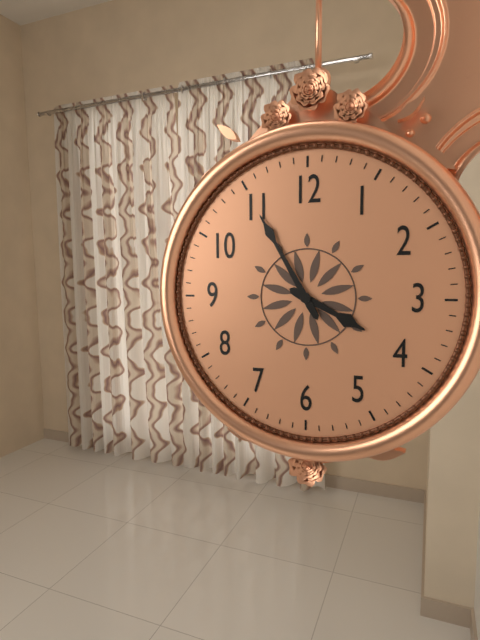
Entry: **3:55**
